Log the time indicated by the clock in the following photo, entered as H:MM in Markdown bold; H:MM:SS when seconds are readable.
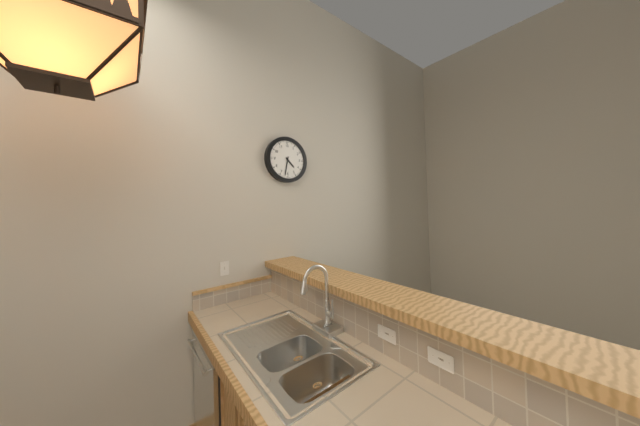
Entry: **4:32**
